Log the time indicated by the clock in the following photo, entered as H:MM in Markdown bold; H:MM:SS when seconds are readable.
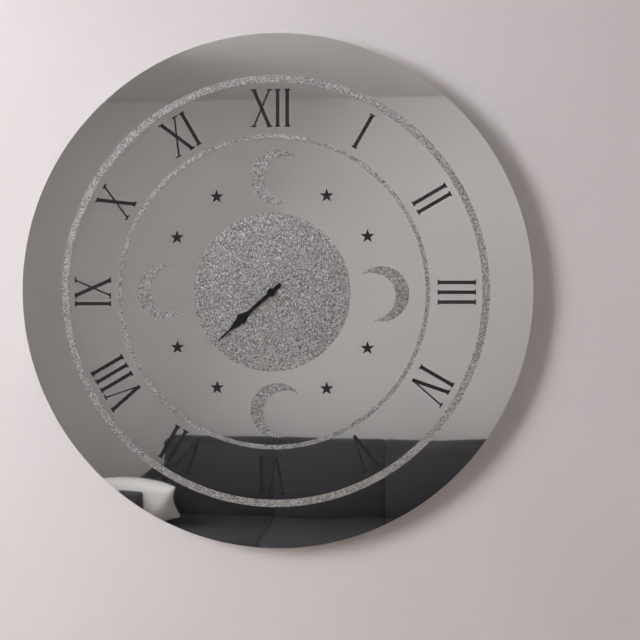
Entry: **7:38**
